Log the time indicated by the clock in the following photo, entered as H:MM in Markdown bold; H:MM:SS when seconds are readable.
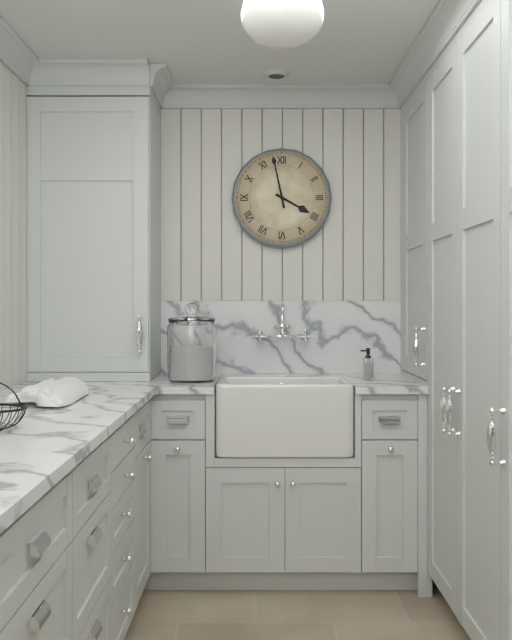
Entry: **3:58**
